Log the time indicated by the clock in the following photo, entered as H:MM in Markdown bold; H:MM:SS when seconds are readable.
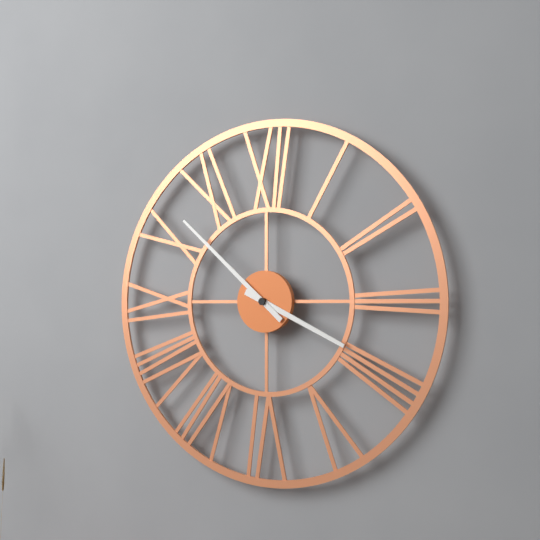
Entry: **3:52**
